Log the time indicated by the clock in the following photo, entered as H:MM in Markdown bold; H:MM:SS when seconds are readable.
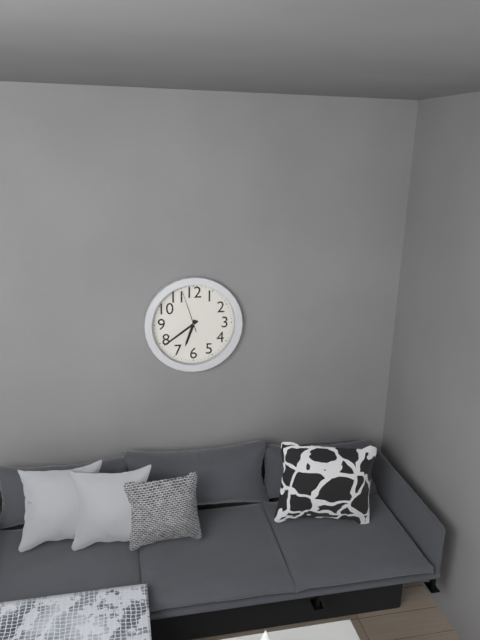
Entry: **6:39**
